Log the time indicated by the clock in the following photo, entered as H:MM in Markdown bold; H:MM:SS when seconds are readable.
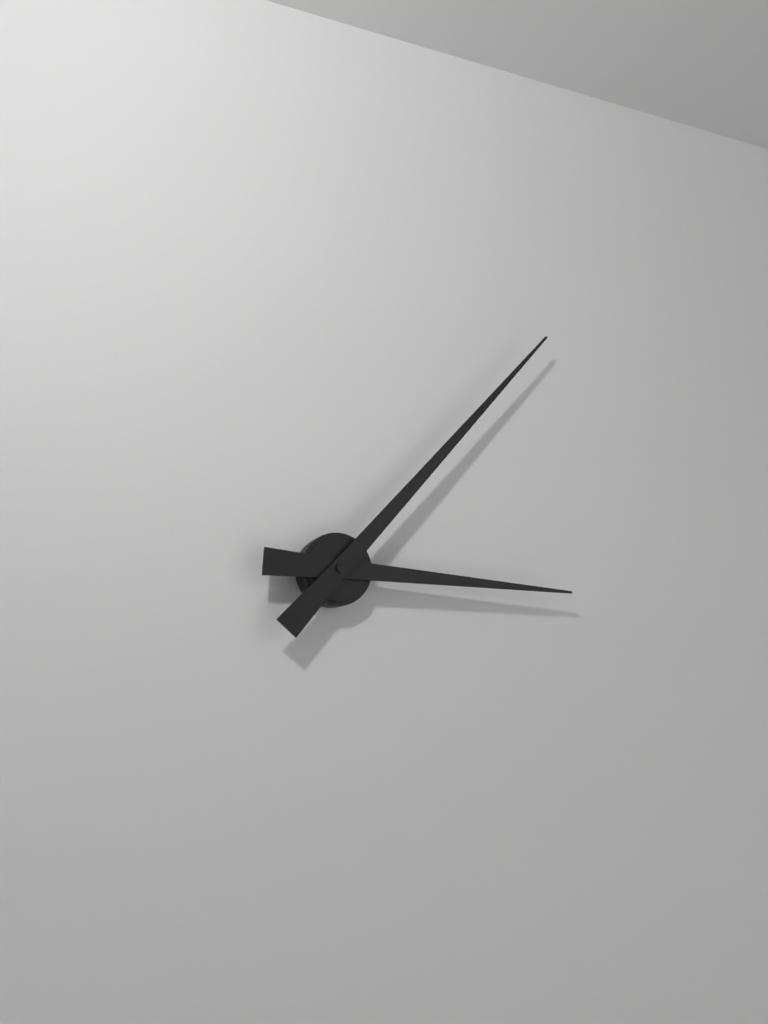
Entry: **3:07**
